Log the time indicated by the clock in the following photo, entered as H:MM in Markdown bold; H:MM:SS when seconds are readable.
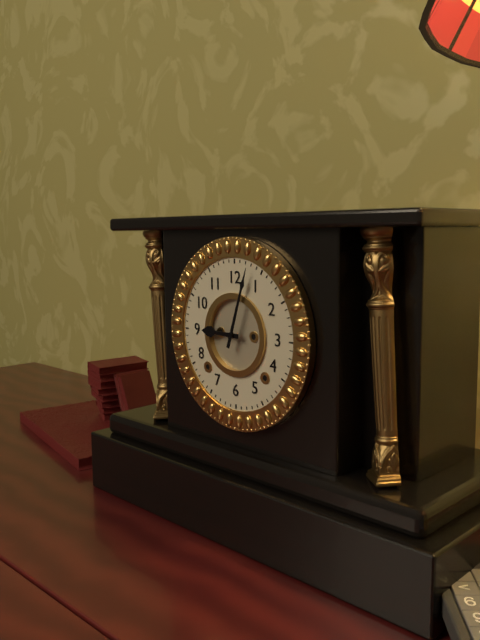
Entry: **9:03**
